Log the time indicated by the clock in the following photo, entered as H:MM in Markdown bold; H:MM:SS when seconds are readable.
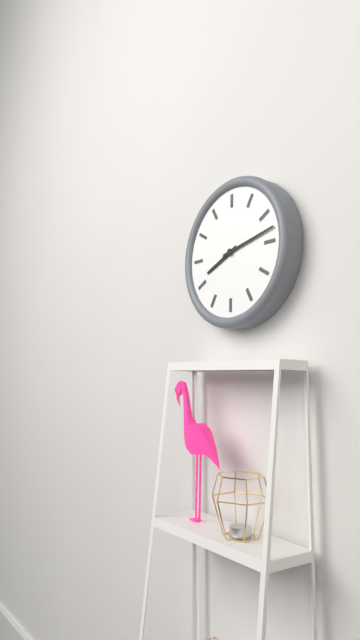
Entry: **8:13**
